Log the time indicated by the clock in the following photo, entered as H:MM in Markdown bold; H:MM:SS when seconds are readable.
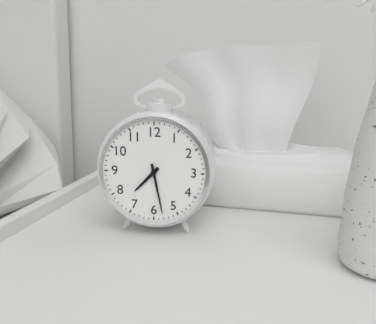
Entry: **7:28**
